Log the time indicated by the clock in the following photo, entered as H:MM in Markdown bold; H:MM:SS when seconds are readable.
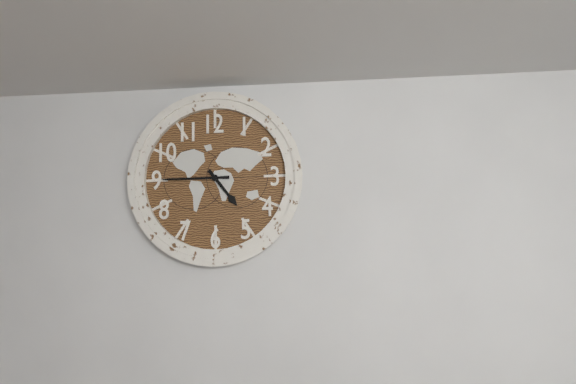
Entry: **4:45**
